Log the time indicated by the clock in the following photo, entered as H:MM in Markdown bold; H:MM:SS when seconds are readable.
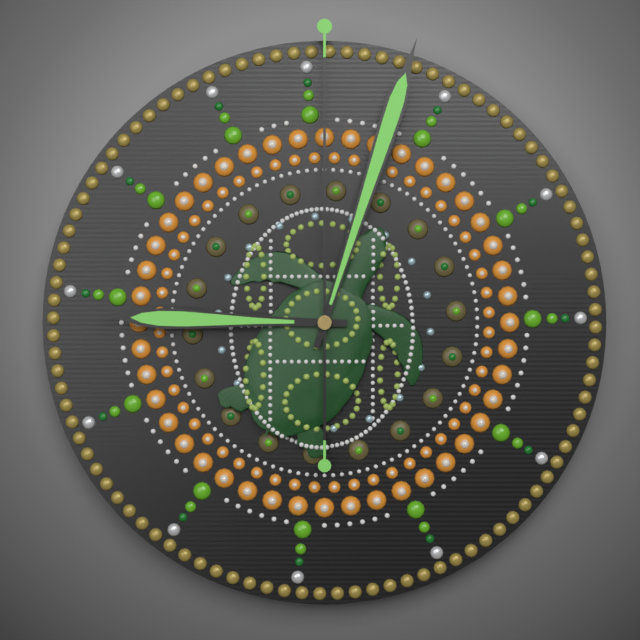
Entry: **9:03:00**
